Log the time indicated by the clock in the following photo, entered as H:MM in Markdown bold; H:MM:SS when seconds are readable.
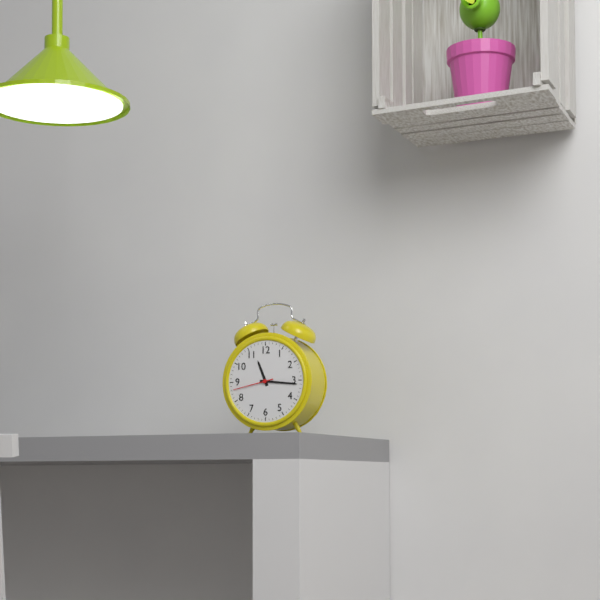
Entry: **11:16**
